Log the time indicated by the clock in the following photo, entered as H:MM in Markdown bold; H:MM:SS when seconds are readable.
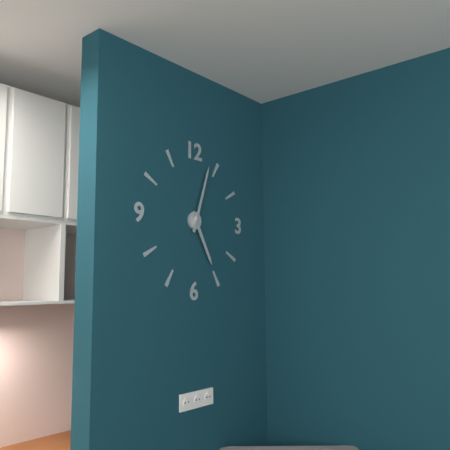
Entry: **5:03**
